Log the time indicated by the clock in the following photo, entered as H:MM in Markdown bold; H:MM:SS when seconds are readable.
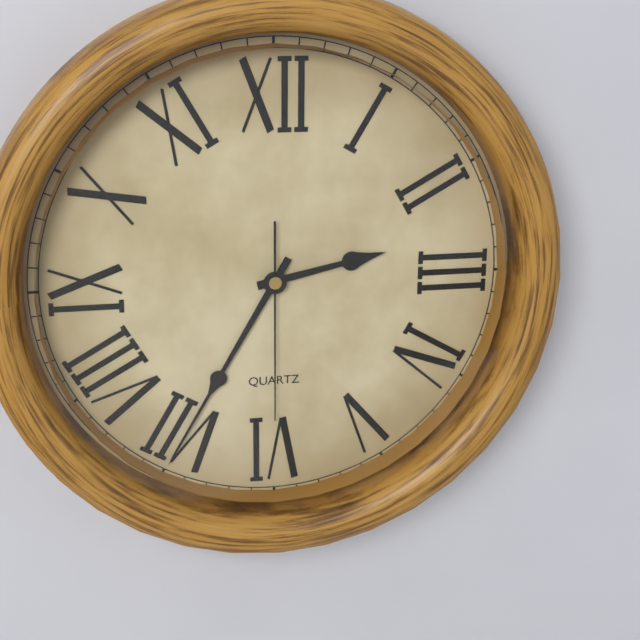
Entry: **2:35:30**
